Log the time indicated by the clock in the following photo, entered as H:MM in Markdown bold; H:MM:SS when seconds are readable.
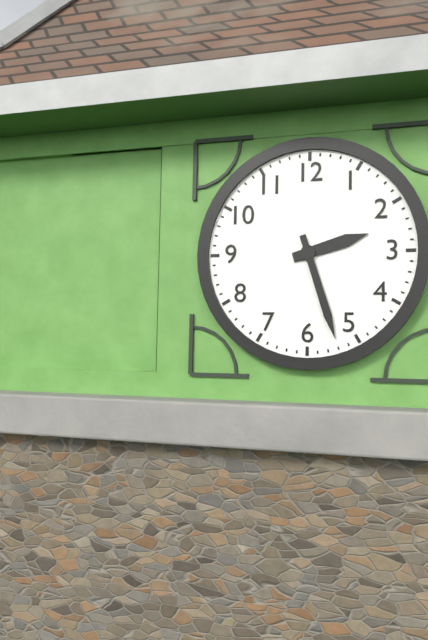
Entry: **2:27**
